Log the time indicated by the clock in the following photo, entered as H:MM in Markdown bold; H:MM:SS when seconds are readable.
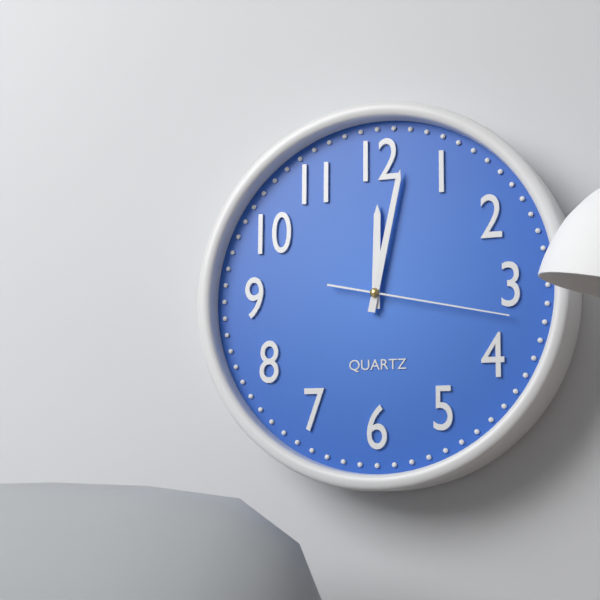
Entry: **12:02:17**
